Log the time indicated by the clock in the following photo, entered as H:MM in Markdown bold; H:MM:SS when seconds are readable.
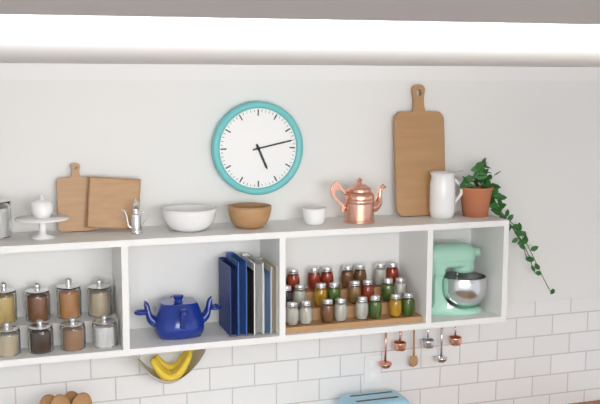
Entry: **5:13**
